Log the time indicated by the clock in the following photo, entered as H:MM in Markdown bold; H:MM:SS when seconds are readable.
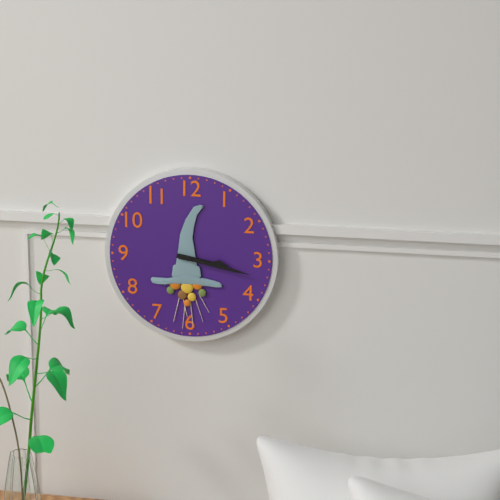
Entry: **3:17**
